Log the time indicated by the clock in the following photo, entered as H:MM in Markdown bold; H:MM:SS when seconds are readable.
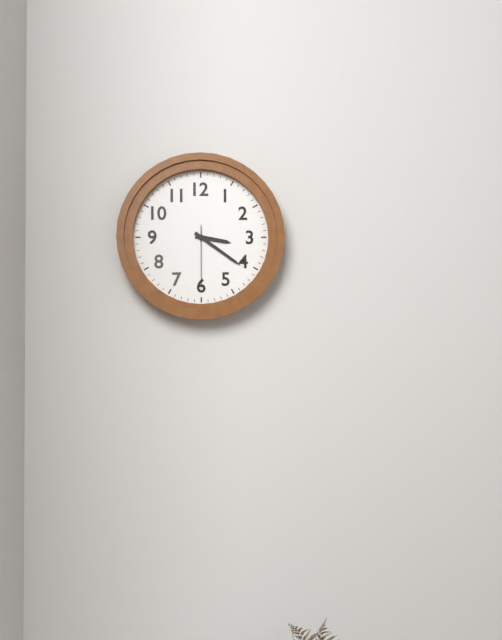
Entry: **3:21:30**
